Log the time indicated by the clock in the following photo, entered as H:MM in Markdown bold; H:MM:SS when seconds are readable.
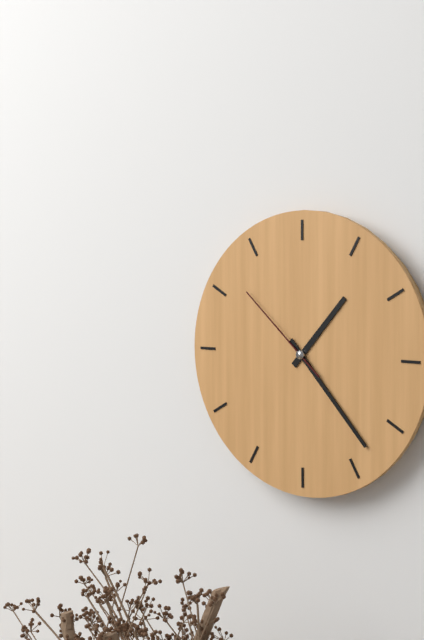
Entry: **1:23:52**
